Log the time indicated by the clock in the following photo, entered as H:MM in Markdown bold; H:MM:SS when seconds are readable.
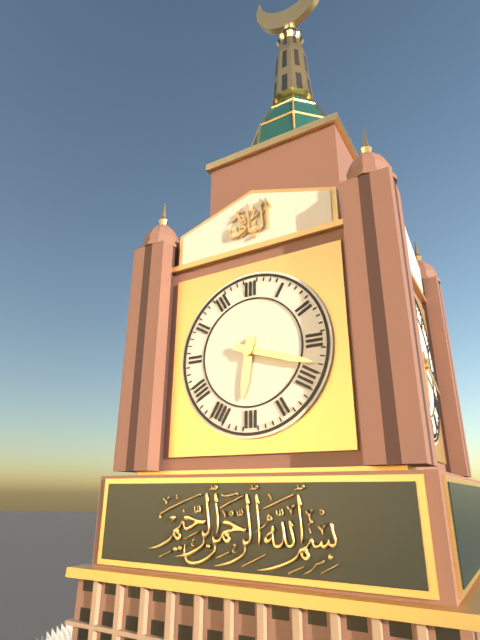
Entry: **6:18**
